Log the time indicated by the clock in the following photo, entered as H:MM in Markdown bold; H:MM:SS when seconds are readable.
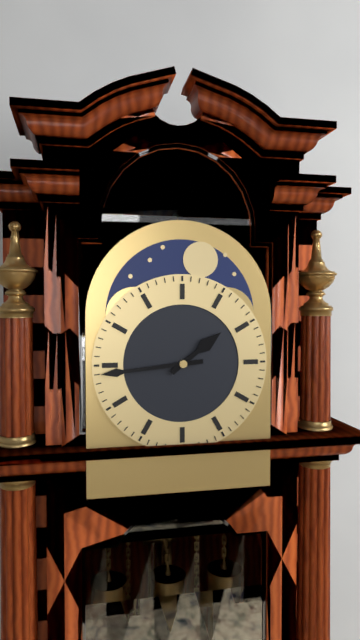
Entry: **1:44**
